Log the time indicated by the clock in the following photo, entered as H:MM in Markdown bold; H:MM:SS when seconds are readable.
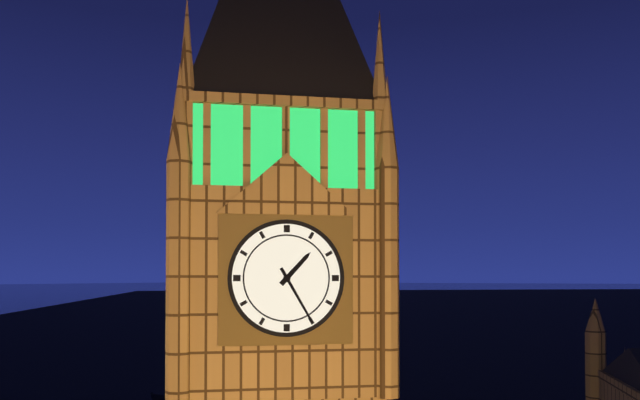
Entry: **1:25**
